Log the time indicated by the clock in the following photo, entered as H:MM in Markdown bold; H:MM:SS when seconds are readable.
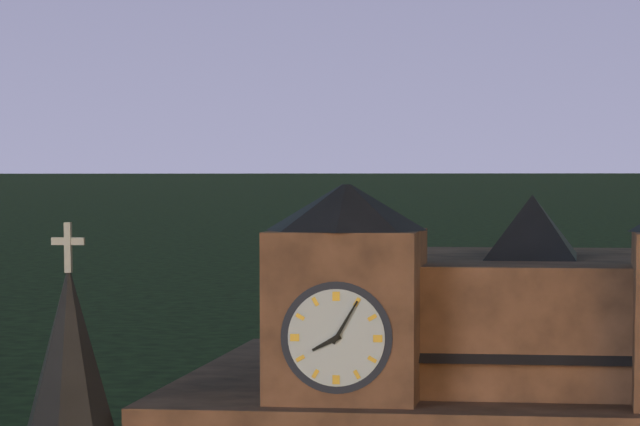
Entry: **8:05**
